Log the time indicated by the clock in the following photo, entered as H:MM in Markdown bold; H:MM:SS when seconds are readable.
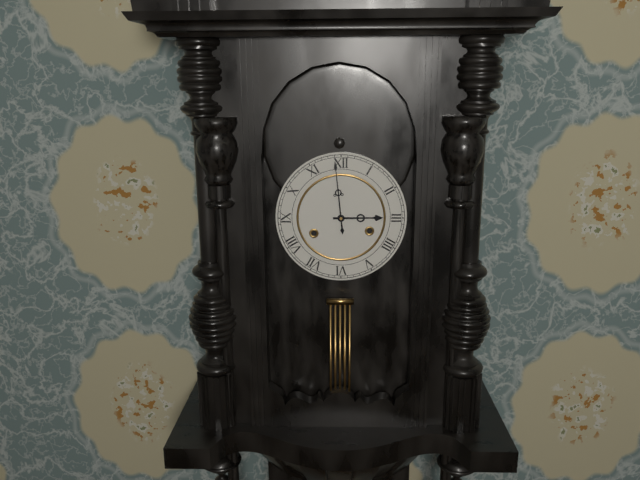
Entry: **2:59**
